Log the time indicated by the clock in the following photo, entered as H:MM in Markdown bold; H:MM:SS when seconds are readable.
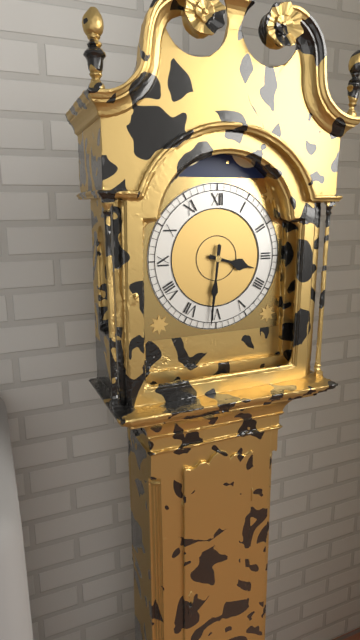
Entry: **3:31**
